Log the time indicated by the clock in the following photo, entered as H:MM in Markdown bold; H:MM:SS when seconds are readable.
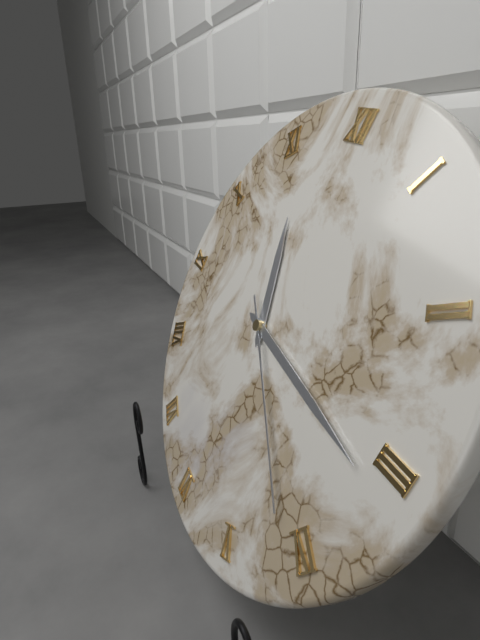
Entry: **11:16:21**
